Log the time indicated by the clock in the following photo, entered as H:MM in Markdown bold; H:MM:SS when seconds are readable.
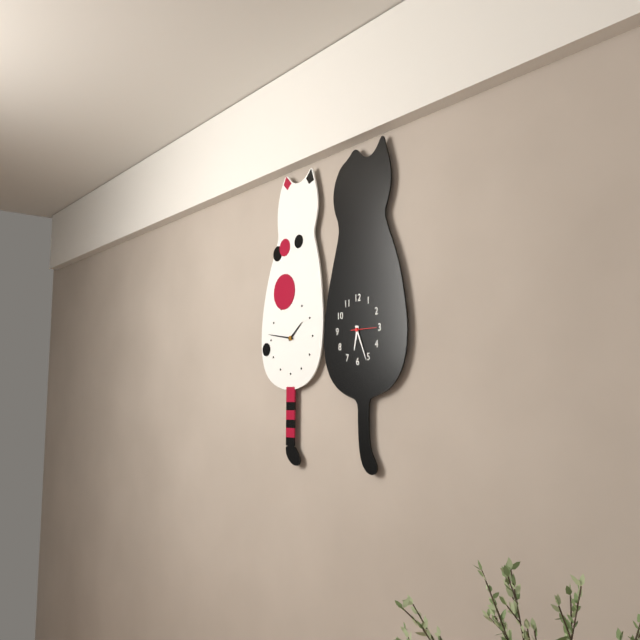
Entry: **6:26**
